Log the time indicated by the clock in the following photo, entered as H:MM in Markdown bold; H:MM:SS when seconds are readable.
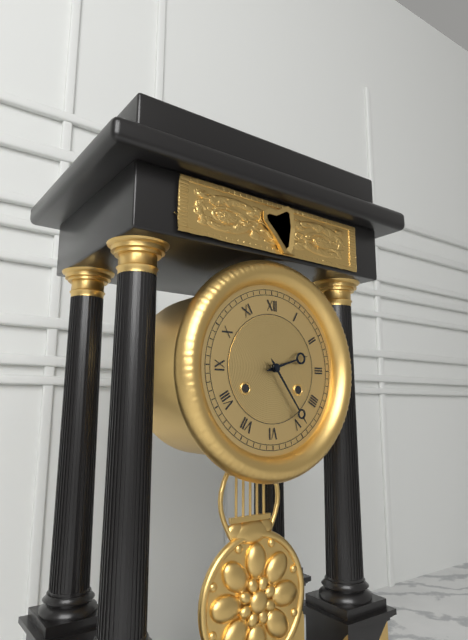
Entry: **2:24**
